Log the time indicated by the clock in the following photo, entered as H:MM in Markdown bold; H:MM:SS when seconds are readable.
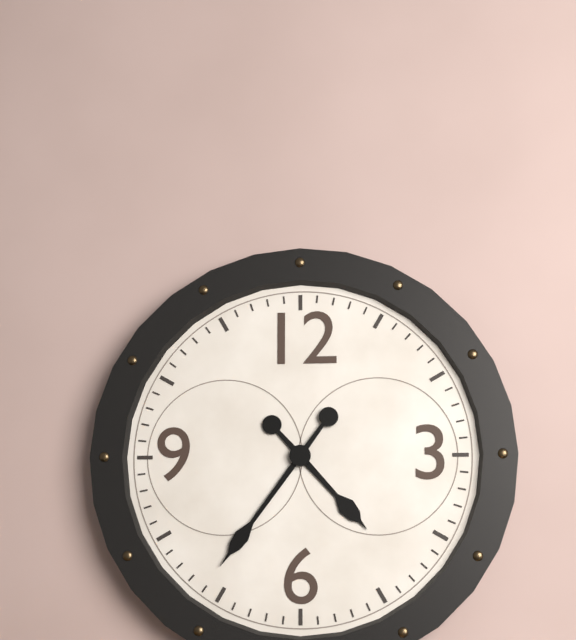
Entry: **4:36**
